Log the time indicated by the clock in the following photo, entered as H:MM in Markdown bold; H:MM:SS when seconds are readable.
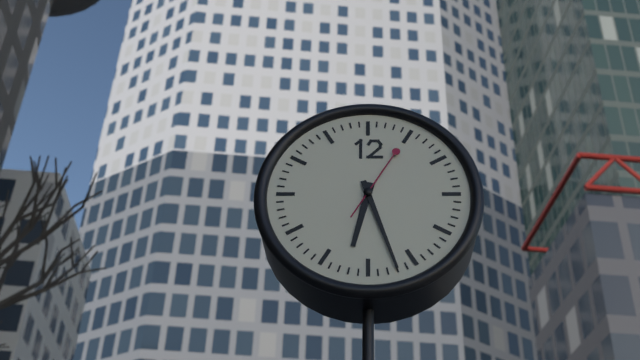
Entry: **6:27:05**
